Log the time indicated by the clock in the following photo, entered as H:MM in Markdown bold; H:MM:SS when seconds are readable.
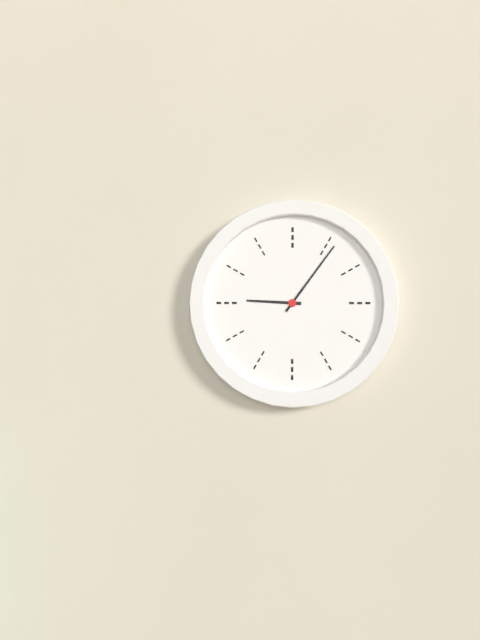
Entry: **9:06**
